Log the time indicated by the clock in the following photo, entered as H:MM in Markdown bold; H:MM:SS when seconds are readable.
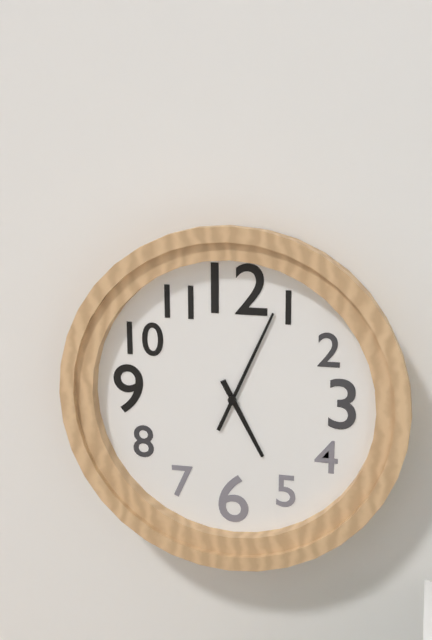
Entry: **5:04**
